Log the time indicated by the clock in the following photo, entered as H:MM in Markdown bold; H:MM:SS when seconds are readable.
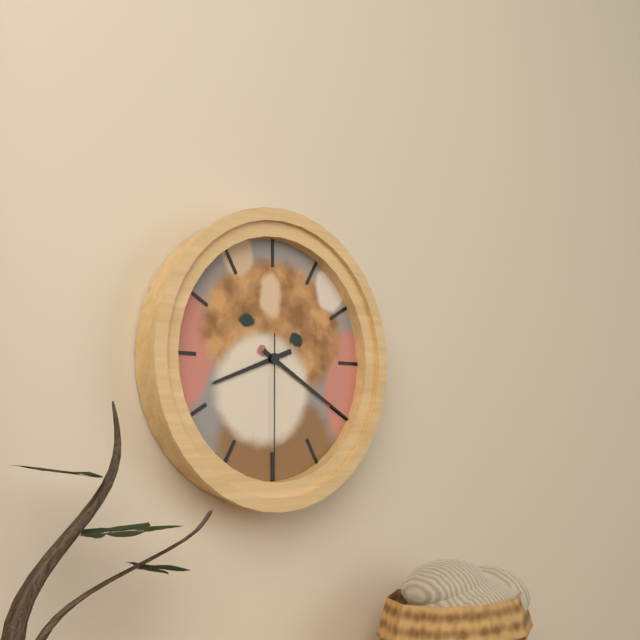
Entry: **8:20:30**
